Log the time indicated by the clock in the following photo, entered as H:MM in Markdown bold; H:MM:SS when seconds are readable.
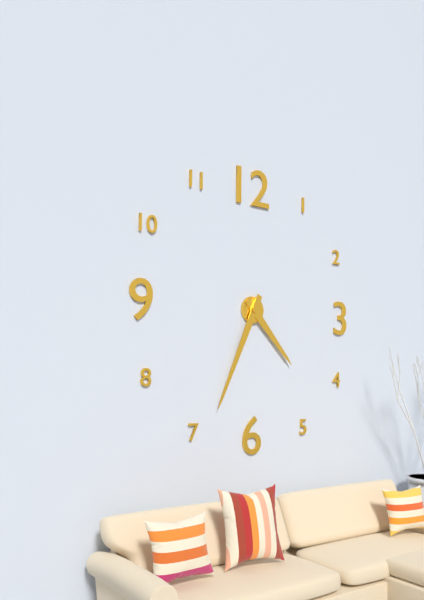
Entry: **4:34**
